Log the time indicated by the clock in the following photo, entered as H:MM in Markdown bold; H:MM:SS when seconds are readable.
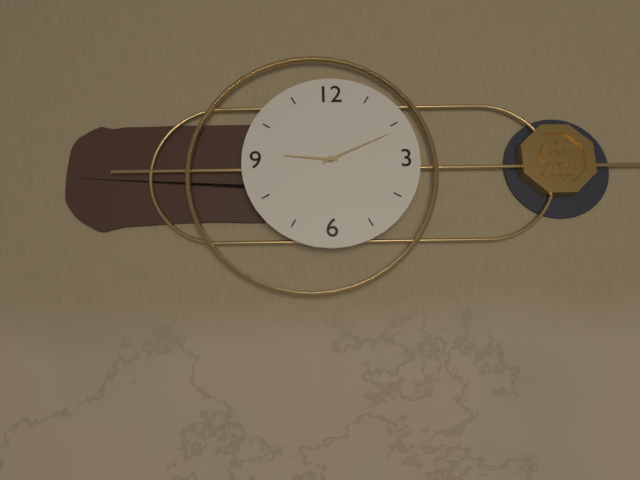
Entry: **9:11**
